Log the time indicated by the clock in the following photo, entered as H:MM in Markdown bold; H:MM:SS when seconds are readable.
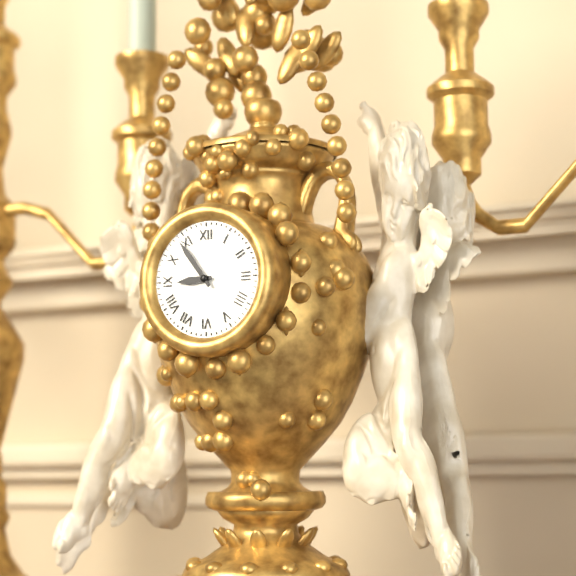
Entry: **8:54**
